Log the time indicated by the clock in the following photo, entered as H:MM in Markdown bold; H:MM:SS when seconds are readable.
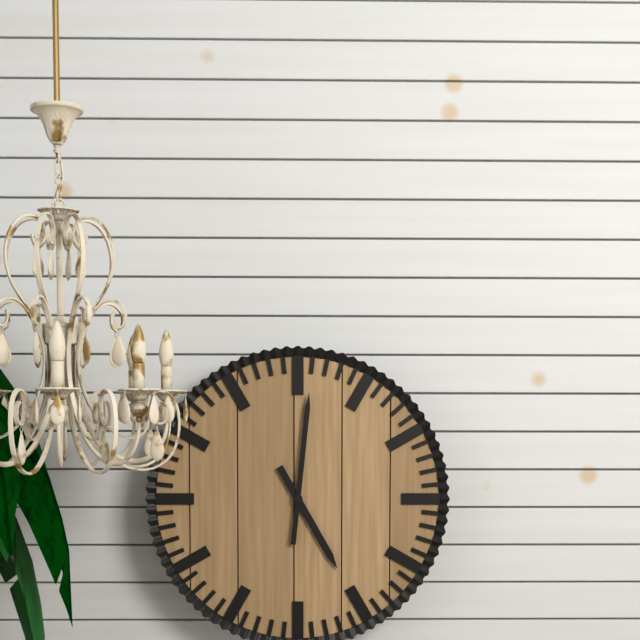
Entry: **5:01**
